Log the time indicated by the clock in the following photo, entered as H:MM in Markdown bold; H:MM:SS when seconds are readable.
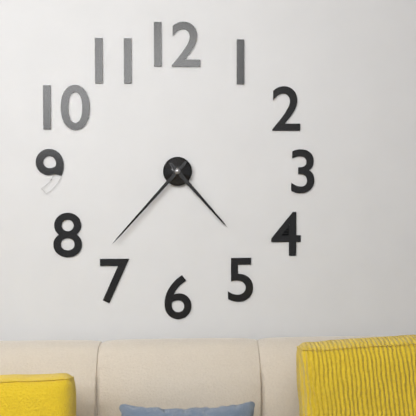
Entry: **4:37**
